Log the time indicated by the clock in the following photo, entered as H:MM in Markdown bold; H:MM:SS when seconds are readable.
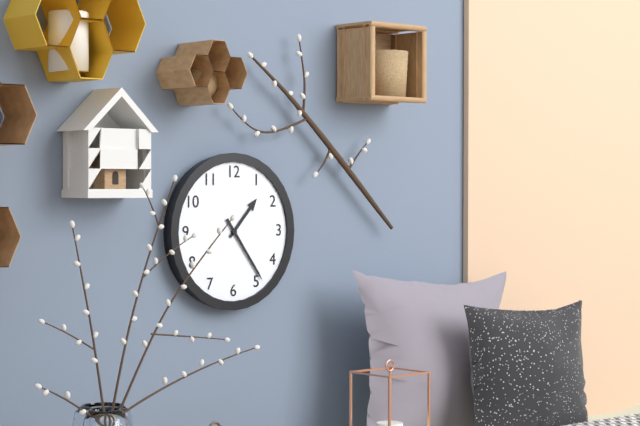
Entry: **1:24**
